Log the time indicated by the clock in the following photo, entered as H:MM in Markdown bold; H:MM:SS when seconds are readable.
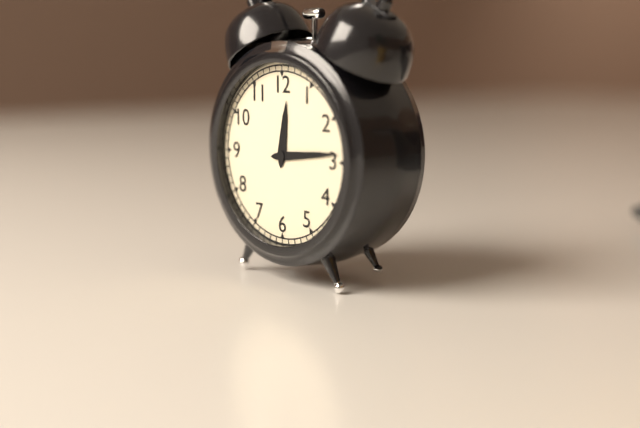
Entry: **12:14**
